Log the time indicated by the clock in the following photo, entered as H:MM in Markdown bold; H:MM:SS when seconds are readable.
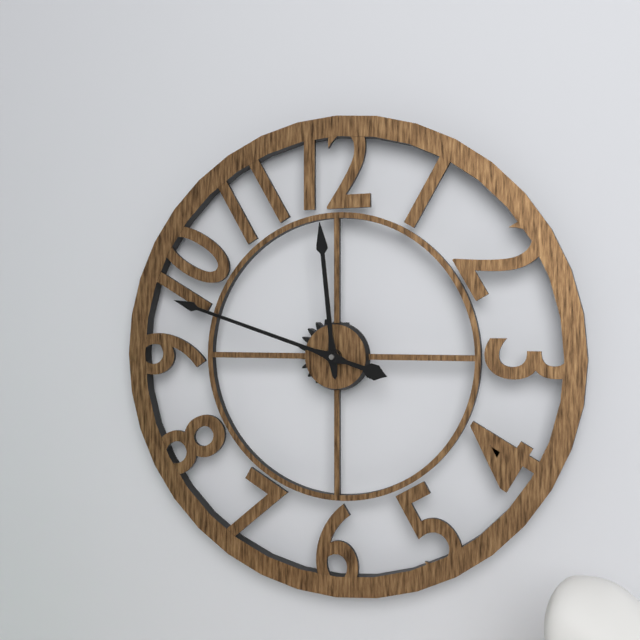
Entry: **11:48**
